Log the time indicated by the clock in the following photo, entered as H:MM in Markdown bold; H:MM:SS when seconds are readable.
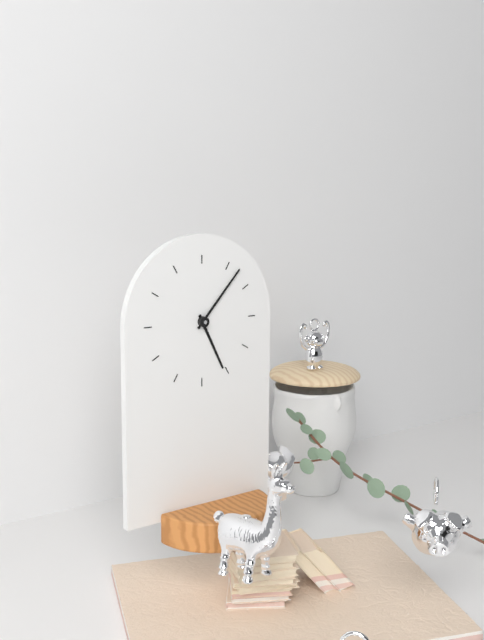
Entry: **5:07**
